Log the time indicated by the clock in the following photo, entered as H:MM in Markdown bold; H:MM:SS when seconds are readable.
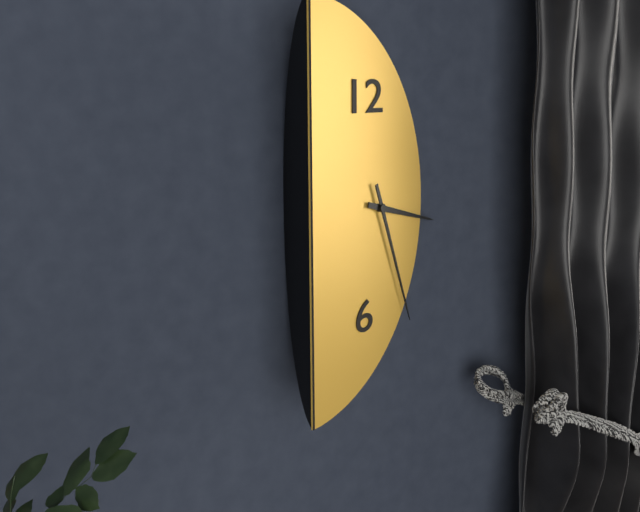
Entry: **3:26**
